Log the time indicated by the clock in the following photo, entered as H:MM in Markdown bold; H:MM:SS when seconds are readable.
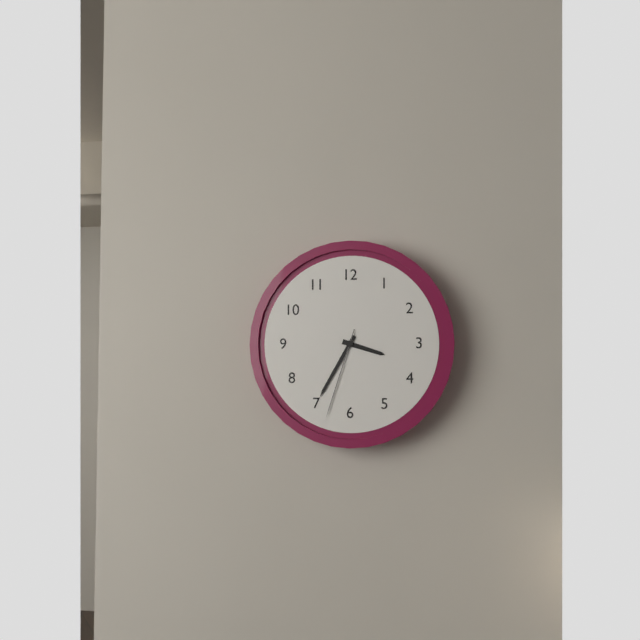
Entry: **3:35:33**
